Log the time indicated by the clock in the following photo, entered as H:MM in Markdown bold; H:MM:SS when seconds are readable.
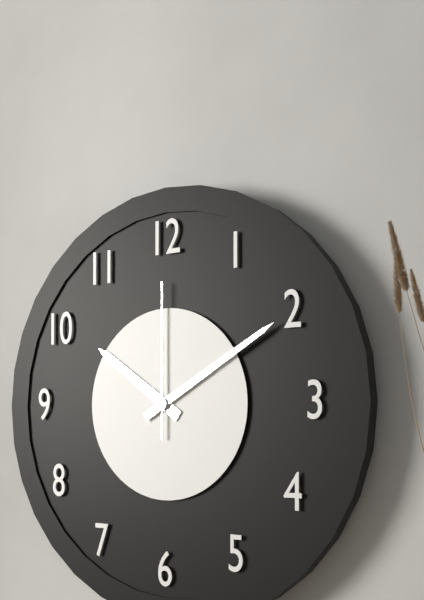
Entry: **10:10:00**
